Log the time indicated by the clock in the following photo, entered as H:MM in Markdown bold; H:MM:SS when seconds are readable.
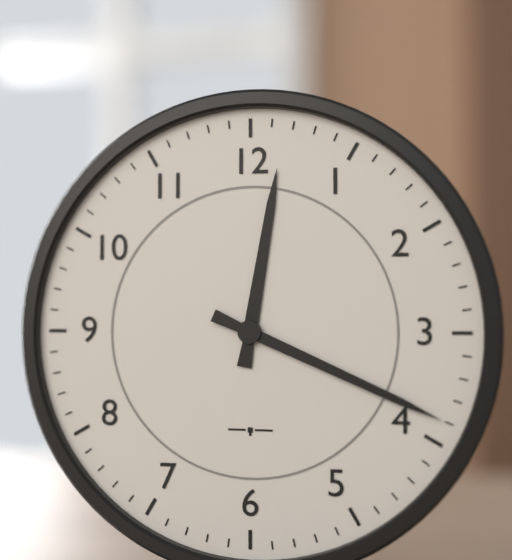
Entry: **12:19**
